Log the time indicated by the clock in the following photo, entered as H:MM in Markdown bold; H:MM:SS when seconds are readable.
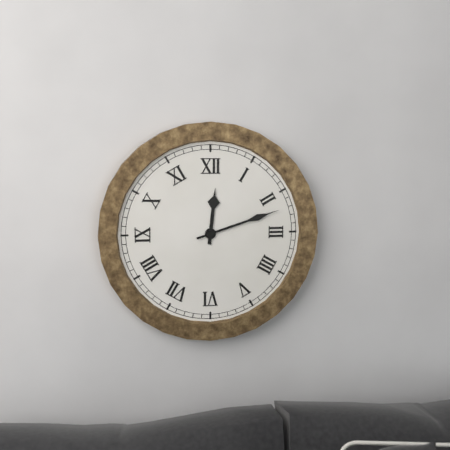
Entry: **12:12**
